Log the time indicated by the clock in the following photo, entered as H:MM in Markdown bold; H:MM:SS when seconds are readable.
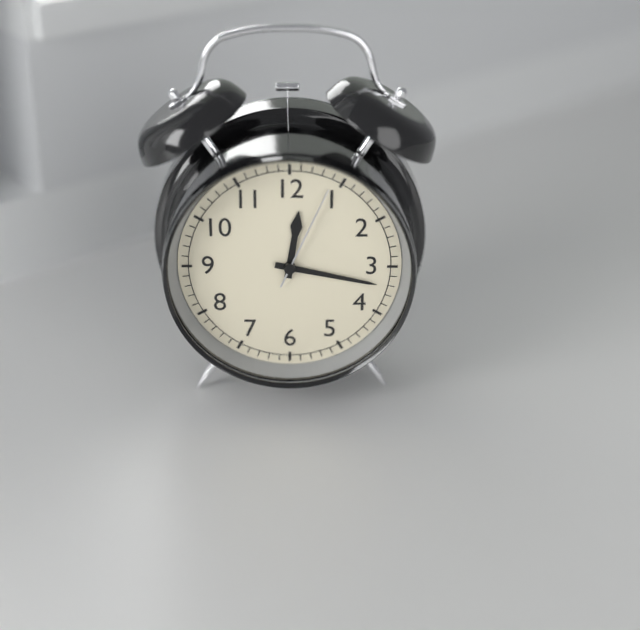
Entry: **12:17:04**
